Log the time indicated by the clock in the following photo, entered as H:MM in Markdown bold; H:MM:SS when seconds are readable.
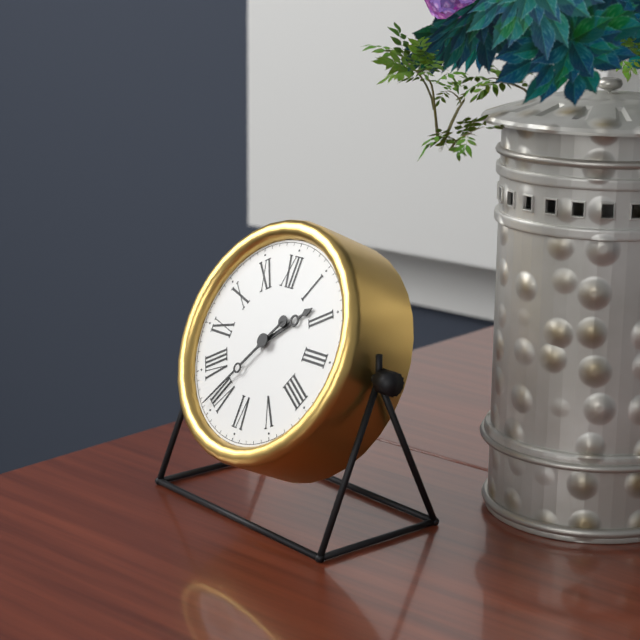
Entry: **1:36**
